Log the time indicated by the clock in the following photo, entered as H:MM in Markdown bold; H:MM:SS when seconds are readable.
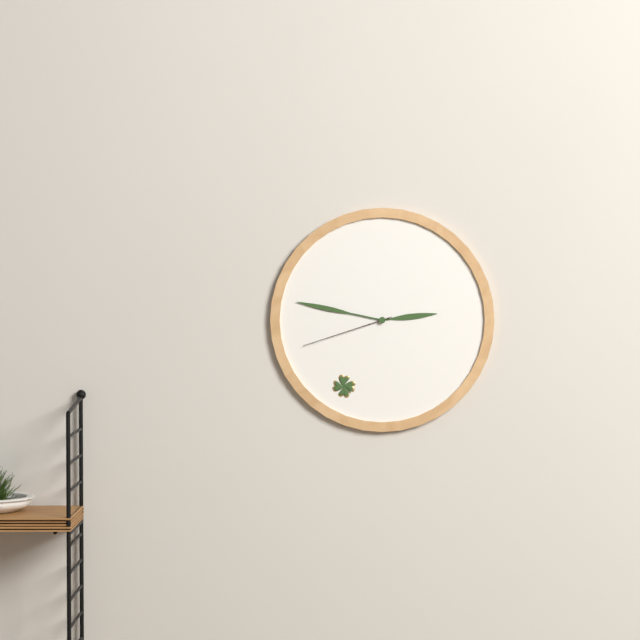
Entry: **2:47:42**
